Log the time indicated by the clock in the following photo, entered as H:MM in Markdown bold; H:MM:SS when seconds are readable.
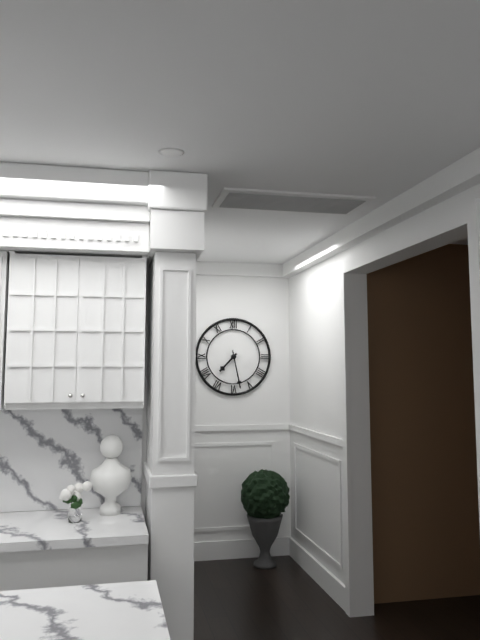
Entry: **7:28**
